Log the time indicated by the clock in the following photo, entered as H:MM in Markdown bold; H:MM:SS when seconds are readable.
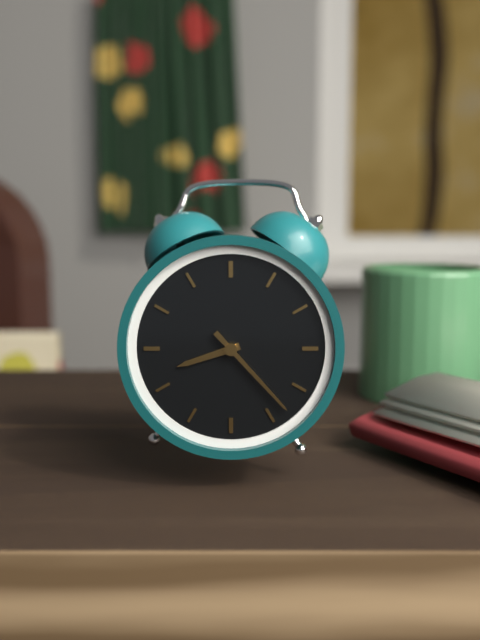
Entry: **8:23**
